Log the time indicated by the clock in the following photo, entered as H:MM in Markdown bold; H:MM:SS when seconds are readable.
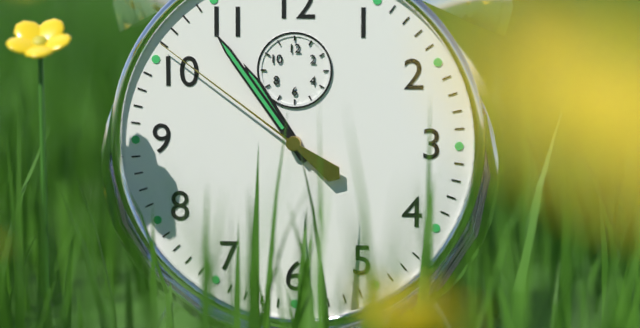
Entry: **10:54:51**
